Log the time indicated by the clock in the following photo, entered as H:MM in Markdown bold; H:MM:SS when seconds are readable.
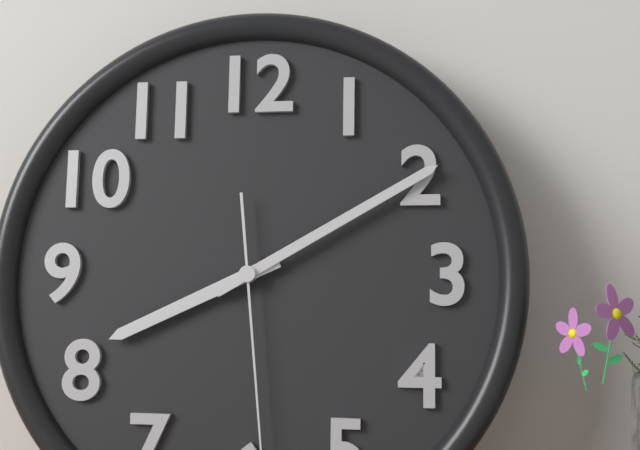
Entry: **8:10**
